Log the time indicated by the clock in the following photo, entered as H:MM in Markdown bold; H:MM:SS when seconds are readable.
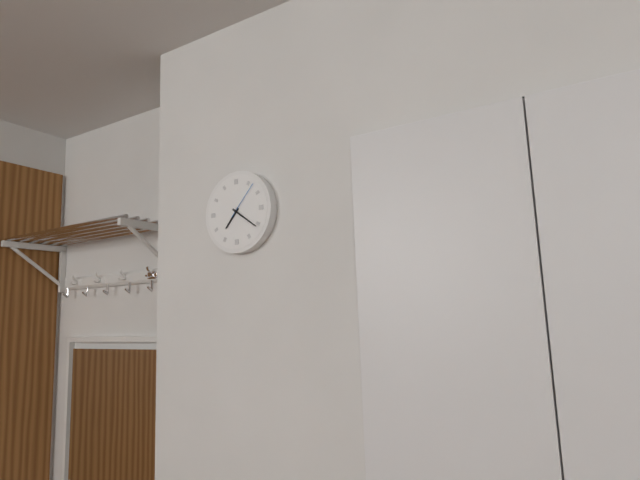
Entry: **7:21**
